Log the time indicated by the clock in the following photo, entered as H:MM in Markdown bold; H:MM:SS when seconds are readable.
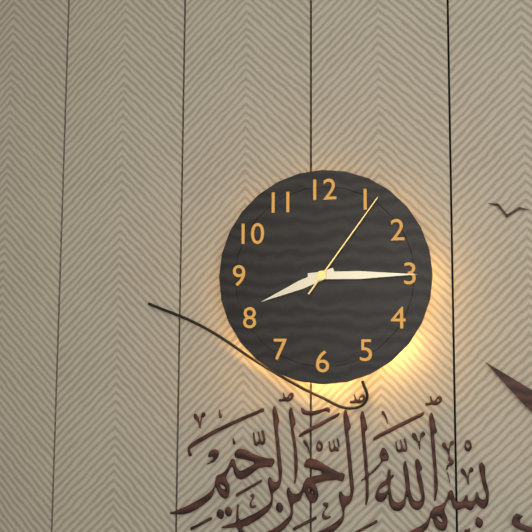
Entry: **8:15:06**
